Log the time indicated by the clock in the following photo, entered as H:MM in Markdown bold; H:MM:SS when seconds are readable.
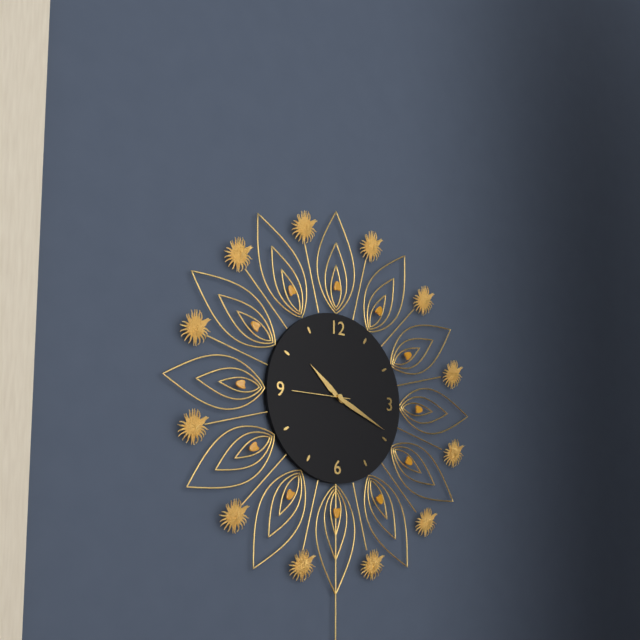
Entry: **10:19:45**
